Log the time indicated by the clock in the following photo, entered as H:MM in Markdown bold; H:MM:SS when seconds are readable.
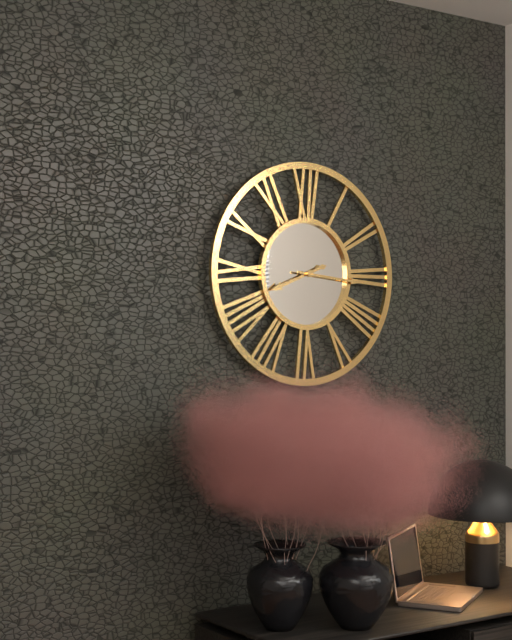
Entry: **8:16**
